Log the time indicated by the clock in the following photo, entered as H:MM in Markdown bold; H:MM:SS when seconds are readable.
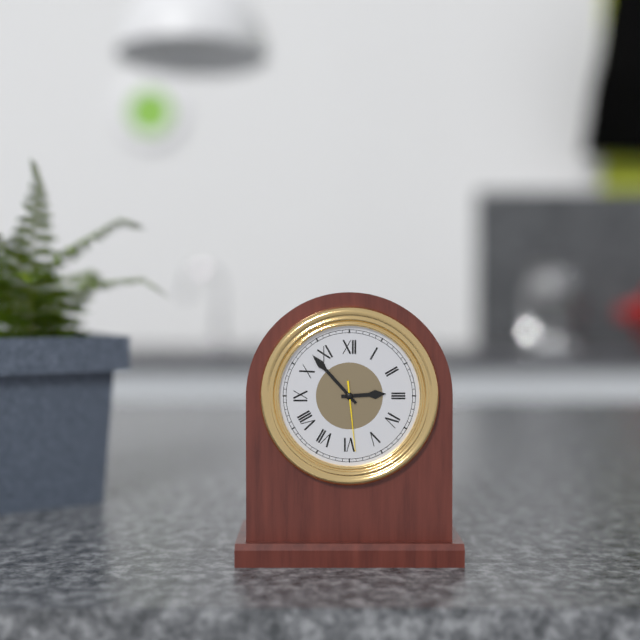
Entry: **2:53:29**
